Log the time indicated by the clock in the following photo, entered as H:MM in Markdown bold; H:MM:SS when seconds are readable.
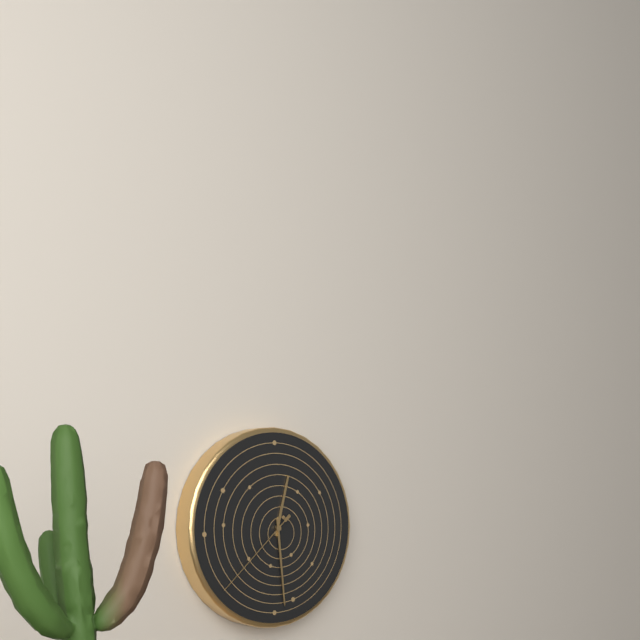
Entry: **12:29:38**
